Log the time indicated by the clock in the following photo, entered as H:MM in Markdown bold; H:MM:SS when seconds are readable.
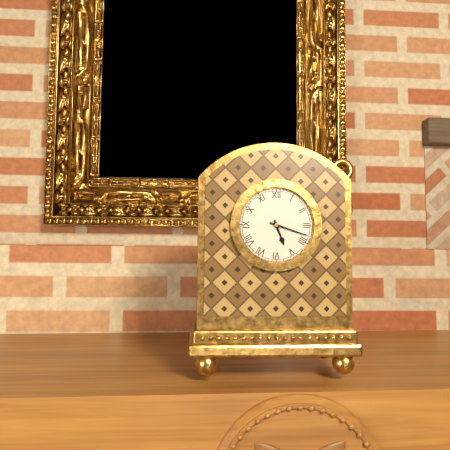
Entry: **5:18**
